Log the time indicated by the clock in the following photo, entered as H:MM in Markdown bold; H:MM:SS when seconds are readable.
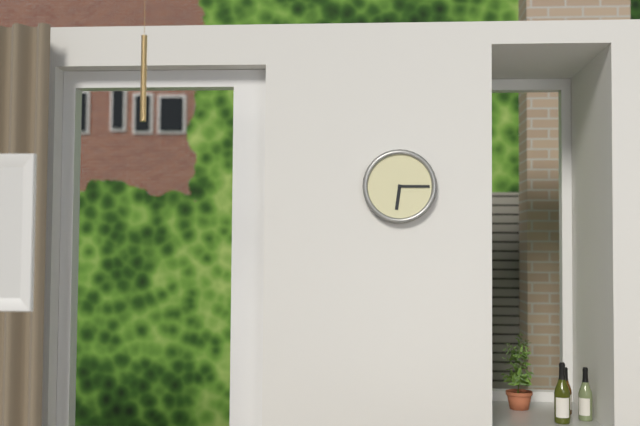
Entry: **6:15**
